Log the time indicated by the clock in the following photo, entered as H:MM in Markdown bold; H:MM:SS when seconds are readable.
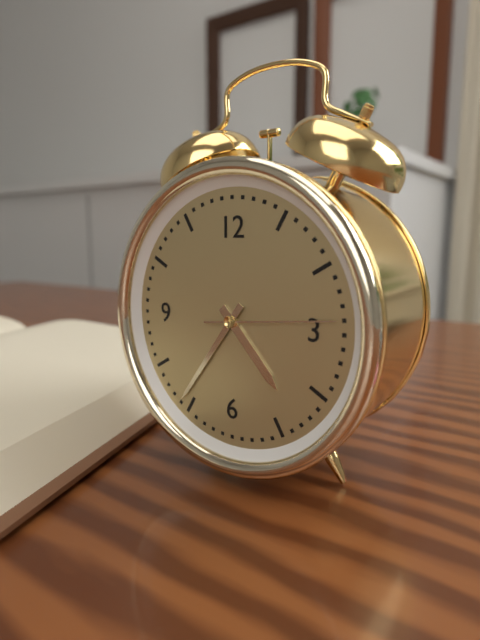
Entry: **4:36:14**
